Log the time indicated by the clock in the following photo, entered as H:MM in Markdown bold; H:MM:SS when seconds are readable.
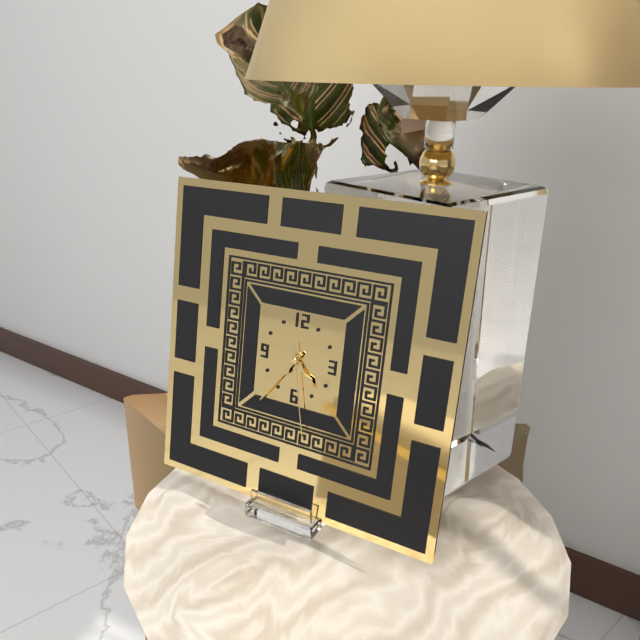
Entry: **4:36:28**
